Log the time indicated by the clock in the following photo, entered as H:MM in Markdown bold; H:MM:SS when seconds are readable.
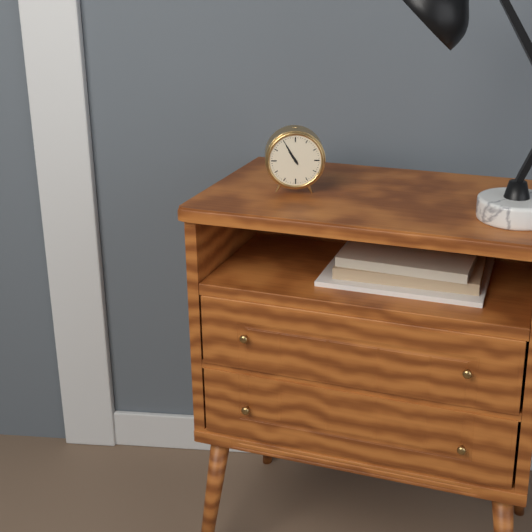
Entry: **10:55**
